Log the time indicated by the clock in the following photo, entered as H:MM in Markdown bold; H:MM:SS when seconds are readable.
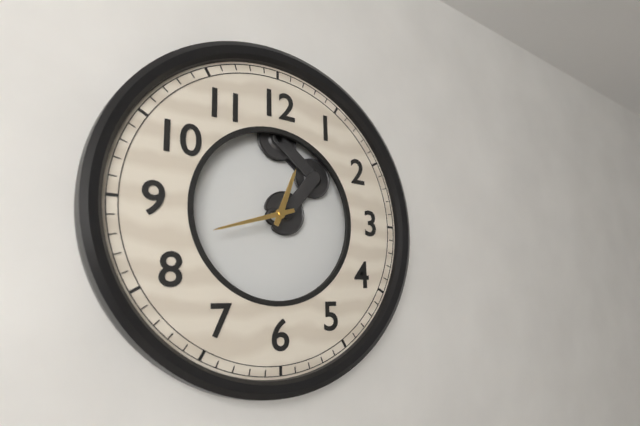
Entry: **12:42**
